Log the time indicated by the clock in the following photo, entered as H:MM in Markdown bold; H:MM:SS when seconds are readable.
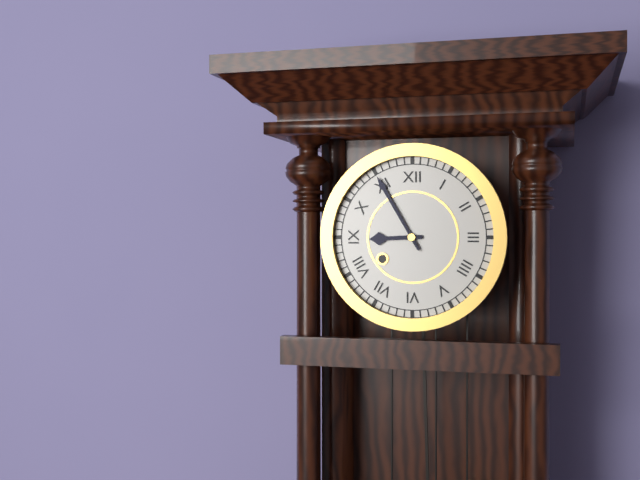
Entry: **8:55**
